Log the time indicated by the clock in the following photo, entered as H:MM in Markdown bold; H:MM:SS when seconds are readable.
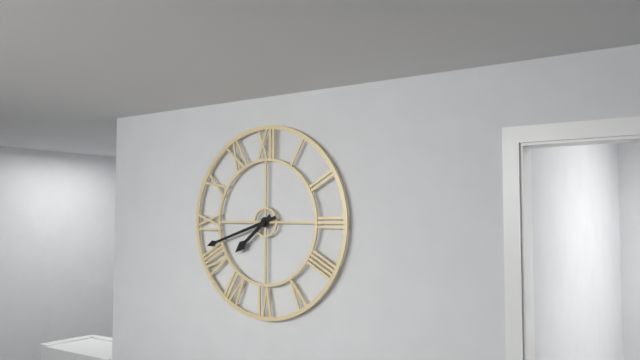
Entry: **7:42**
